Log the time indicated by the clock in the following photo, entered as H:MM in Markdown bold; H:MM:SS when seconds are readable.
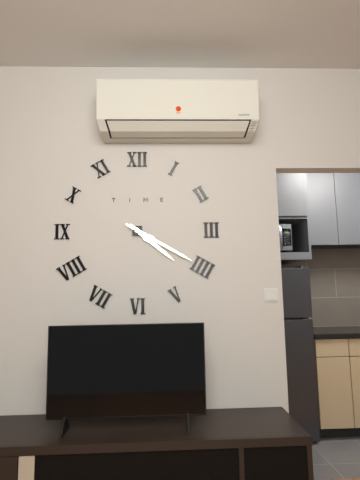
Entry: **4:20**
